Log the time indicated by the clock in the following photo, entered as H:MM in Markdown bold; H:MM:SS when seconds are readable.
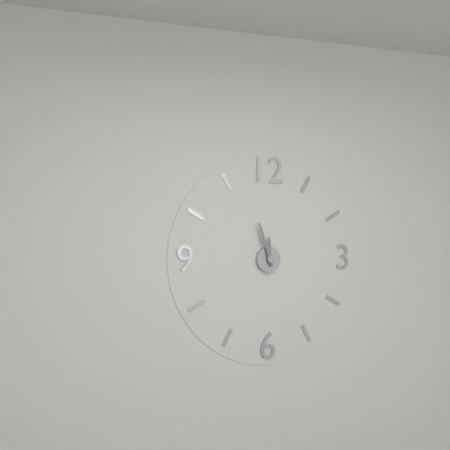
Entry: **11:57**
